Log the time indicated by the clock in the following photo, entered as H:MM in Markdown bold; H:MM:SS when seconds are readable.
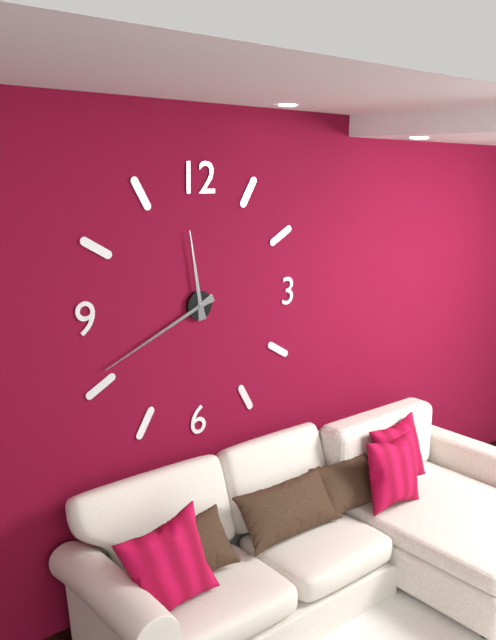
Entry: **11:41**
